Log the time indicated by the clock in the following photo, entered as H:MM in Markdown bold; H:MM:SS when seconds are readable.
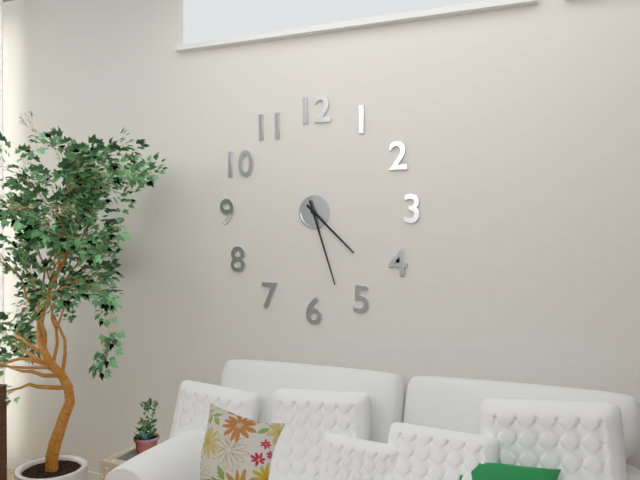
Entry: **4:27**
